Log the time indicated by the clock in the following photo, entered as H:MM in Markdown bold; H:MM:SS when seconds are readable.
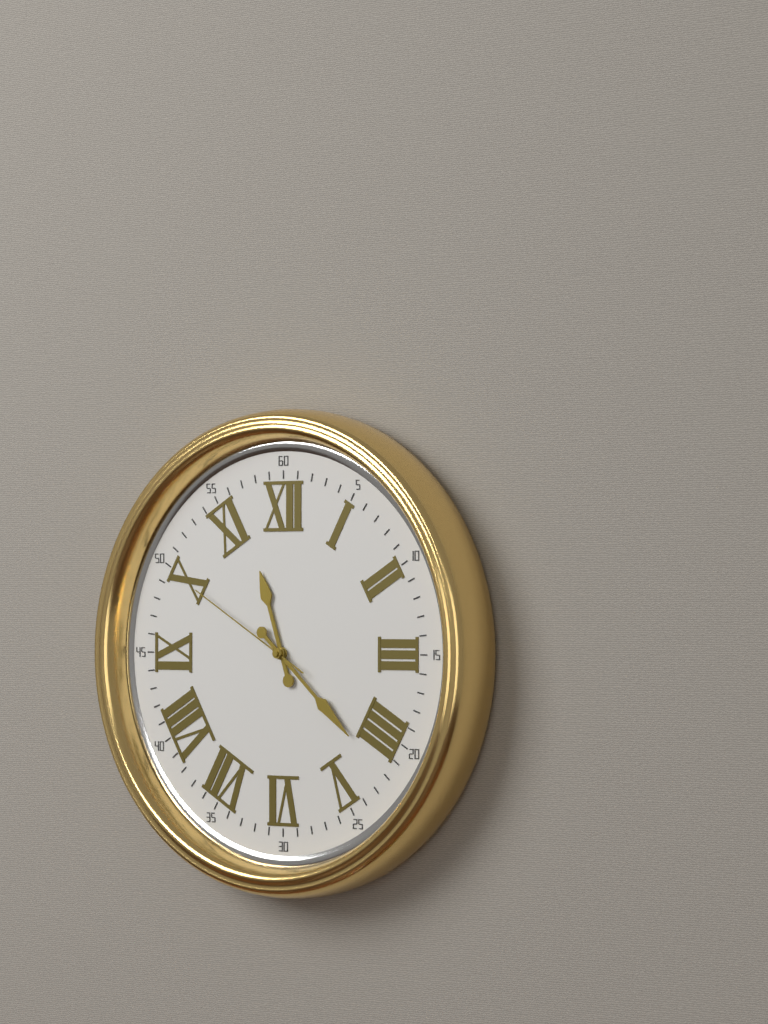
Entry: **11:22:50**
